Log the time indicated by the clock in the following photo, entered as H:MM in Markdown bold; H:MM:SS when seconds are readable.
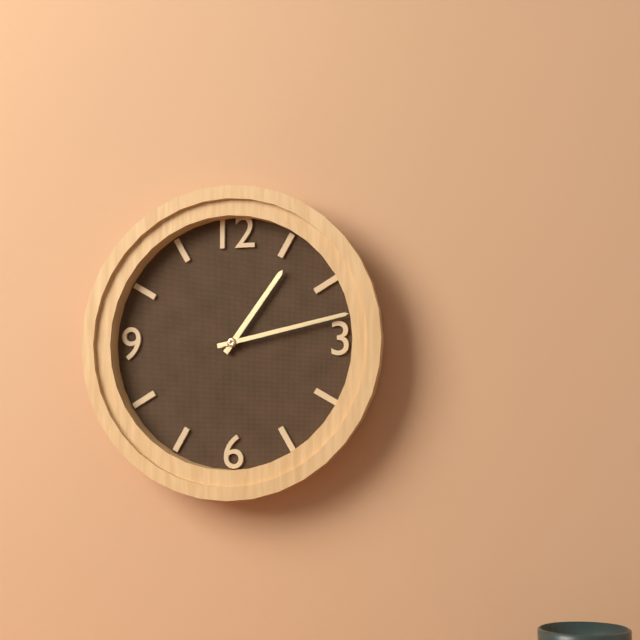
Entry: **1:13**
